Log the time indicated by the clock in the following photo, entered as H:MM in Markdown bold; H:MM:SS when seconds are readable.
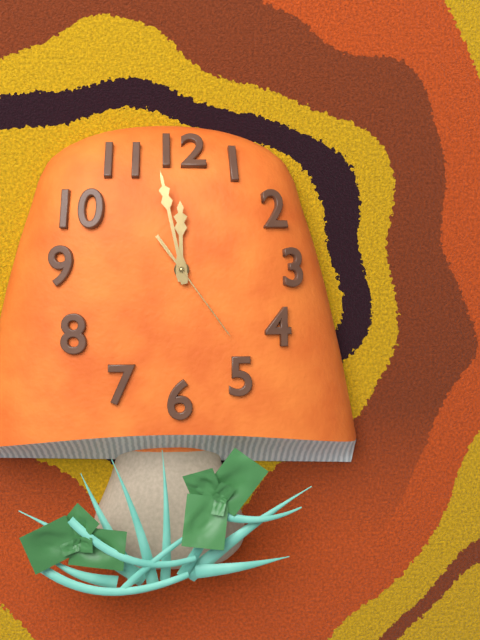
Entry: **11:58:24**
